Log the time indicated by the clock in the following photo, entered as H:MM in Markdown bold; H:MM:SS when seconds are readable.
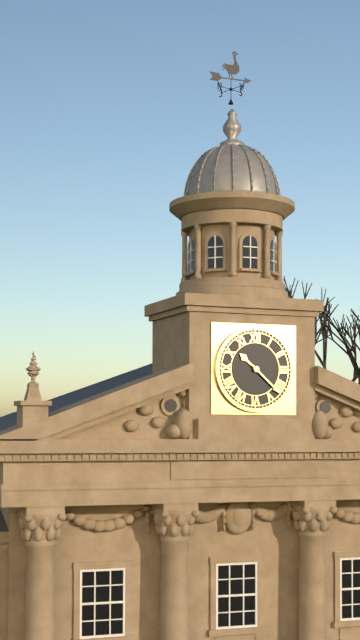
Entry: **10:22**
